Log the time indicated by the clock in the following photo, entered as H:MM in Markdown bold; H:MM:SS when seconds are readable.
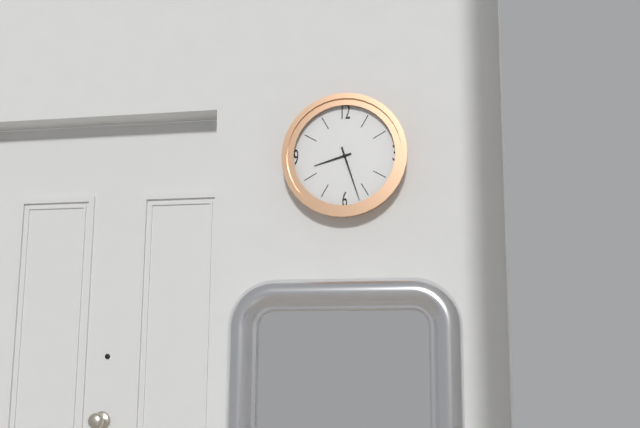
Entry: **8:27**
